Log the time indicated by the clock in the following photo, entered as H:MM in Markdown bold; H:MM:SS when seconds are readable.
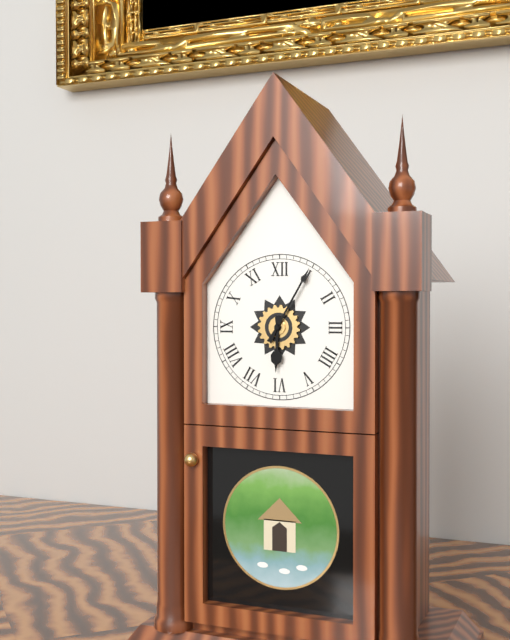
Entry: **6:05**
